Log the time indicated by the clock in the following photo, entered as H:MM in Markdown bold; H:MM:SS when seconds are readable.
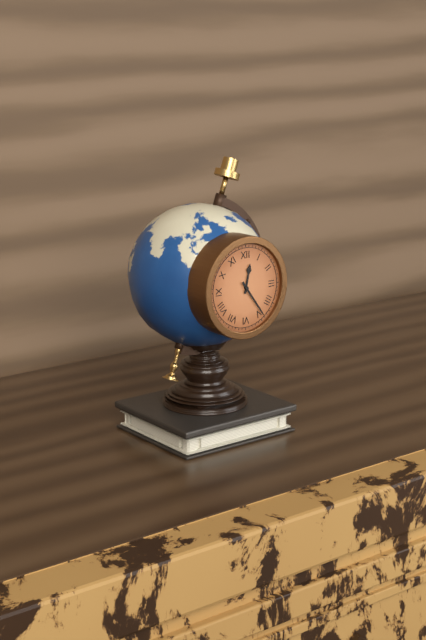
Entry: **12:24**
